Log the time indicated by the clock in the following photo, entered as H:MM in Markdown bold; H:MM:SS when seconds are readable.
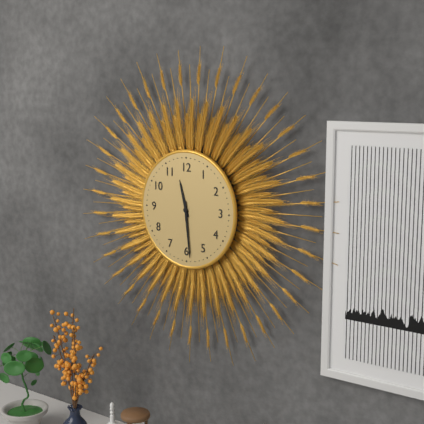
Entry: **11:29**
